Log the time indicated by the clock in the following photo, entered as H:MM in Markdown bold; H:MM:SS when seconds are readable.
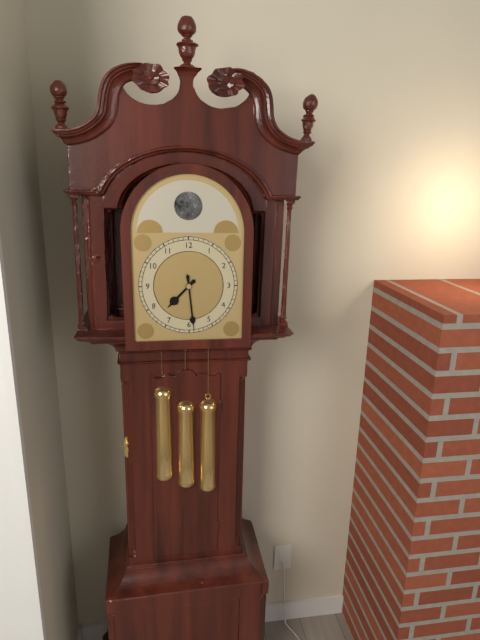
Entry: **7:29**
